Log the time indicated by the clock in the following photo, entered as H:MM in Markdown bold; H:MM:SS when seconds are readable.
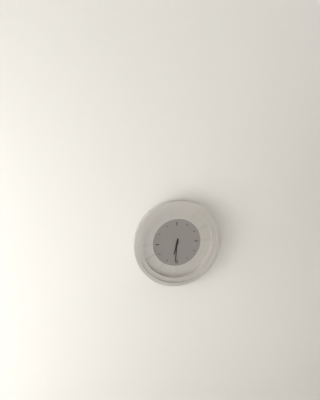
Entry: **6:31**
